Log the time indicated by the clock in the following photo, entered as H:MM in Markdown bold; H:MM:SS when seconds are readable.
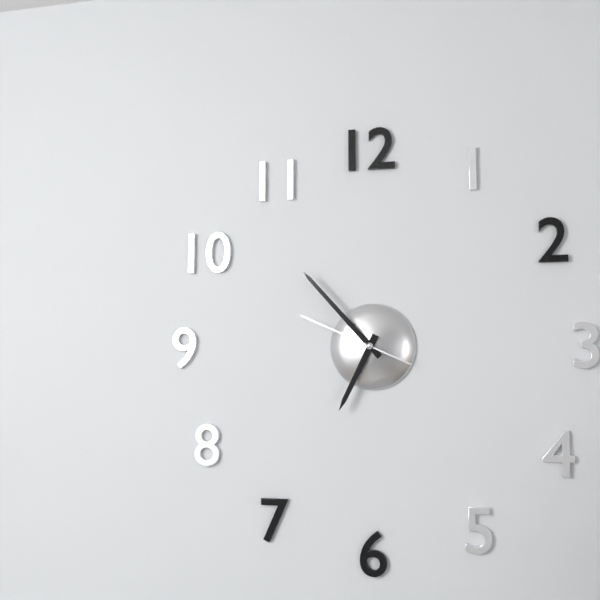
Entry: **6:53:49**
